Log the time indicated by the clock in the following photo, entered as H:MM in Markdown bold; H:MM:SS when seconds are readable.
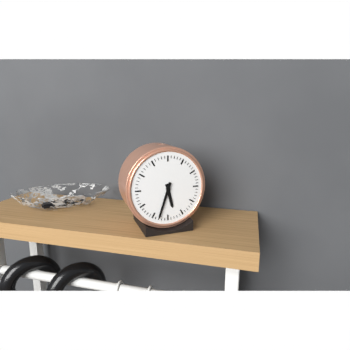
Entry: **5:33**
